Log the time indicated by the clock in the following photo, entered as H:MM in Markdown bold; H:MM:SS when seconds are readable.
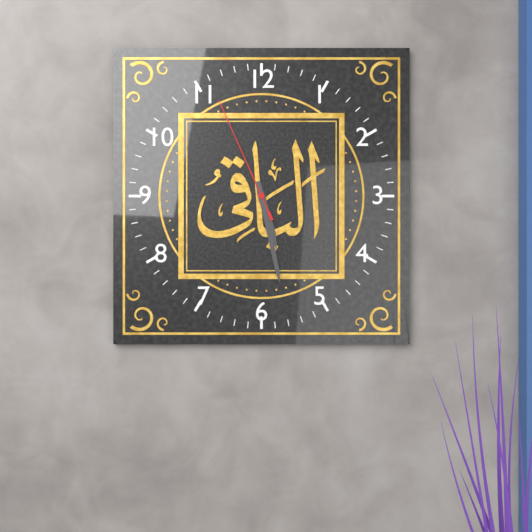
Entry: **5:28:56**
